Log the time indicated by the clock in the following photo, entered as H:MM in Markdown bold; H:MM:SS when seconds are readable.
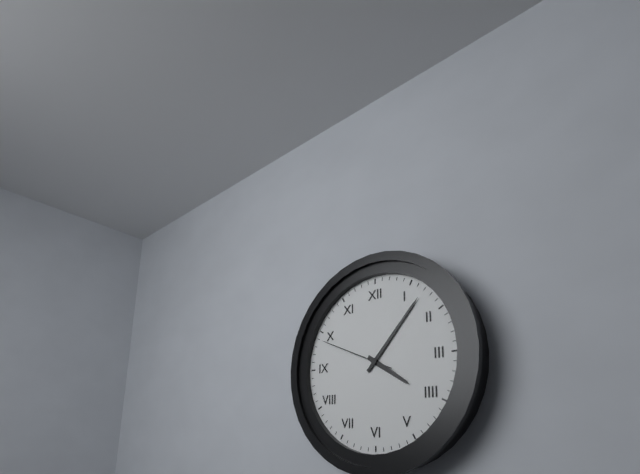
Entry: **4:07:49**
